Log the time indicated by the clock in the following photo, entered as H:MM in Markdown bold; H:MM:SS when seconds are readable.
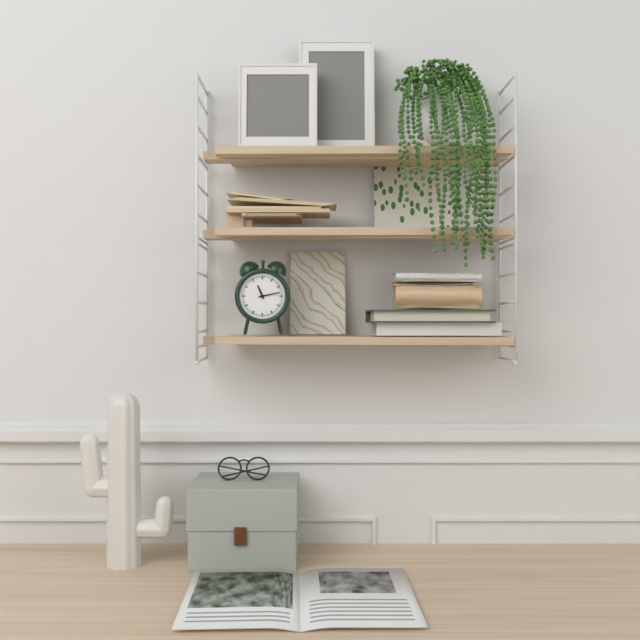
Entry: **11:13**
